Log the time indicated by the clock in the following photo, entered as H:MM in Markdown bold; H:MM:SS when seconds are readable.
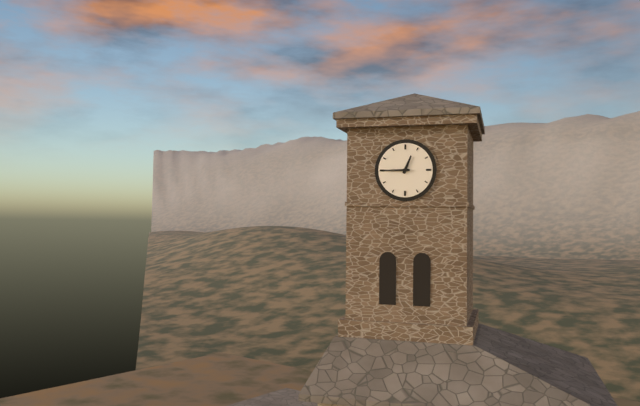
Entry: **12:45**
